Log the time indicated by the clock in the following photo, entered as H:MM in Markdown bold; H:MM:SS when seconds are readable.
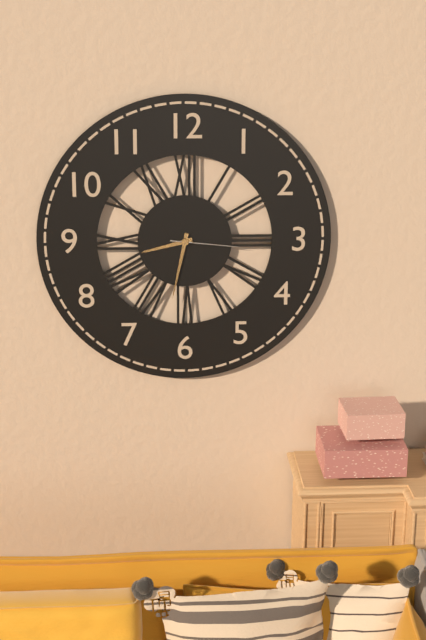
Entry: **8:32:16**
